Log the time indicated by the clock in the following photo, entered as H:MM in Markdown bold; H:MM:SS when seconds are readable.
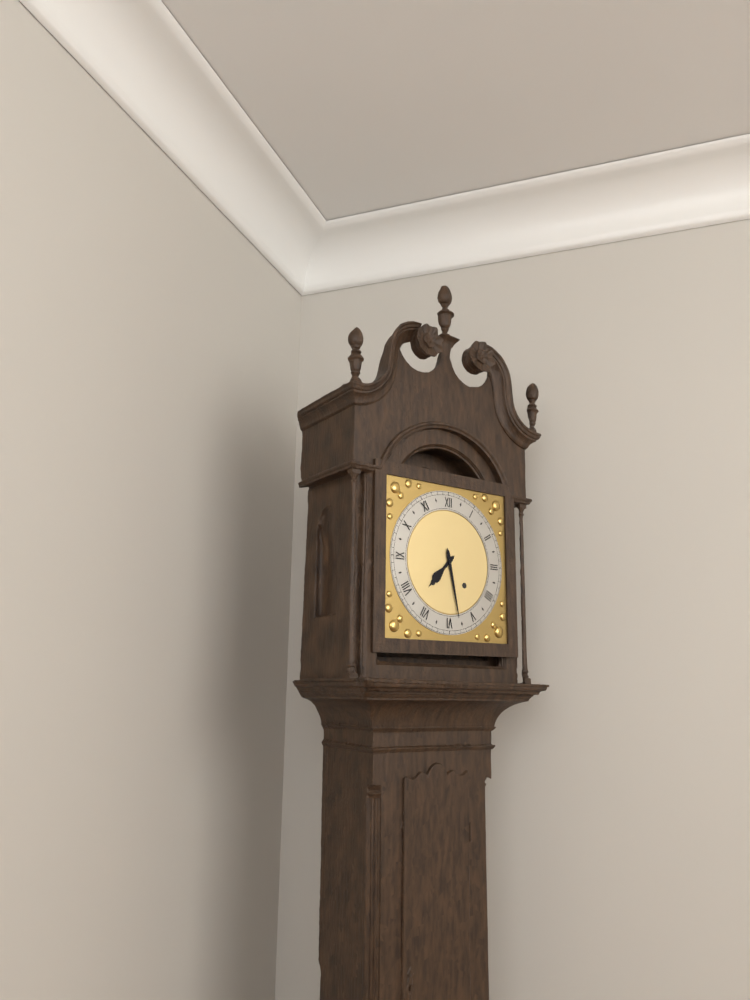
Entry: **7:28**
